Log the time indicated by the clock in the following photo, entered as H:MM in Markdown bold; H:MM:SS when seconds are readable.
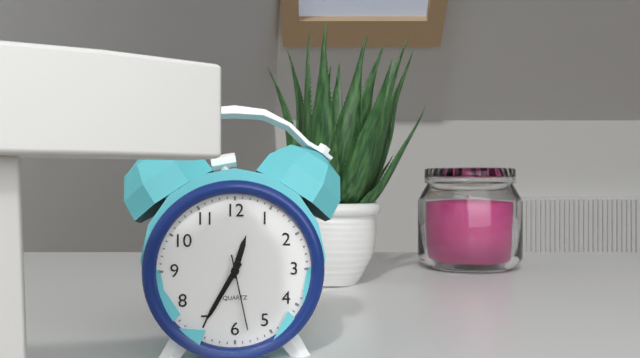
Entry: **12:35:28**
